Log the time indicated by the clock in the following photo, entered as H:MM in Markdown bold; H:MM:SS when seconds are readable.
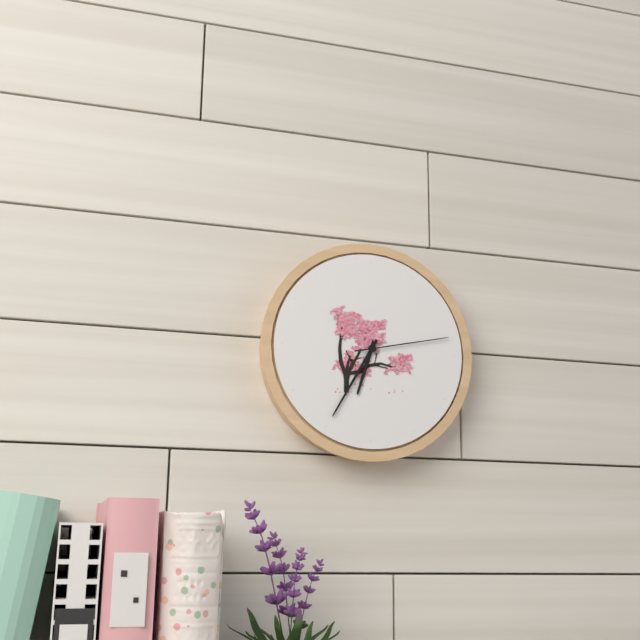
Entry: **6:35:13**
